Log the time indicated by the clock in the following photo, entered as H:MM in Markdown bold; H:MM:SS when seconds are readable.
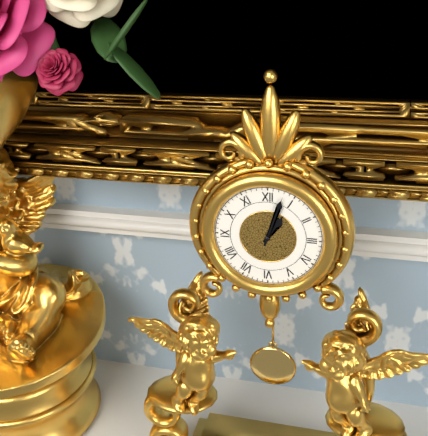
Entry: **1:03**
